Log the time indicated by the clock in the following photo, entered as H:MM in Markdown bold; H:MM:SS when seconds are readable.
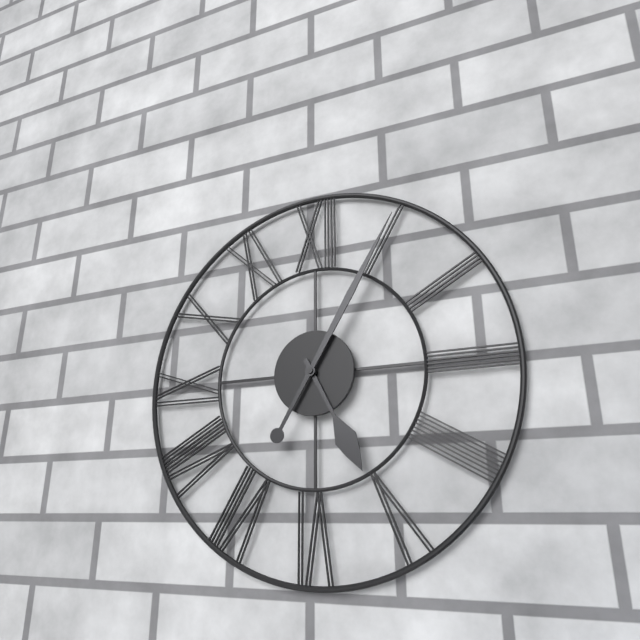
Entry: **5:05**
